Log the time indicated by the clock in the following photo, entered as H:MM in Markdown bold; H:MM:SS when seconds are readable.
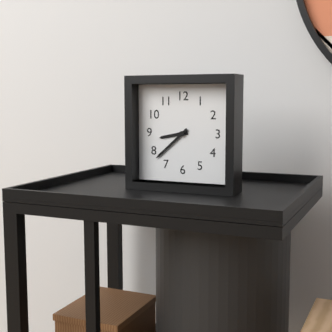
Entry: **8:38**
